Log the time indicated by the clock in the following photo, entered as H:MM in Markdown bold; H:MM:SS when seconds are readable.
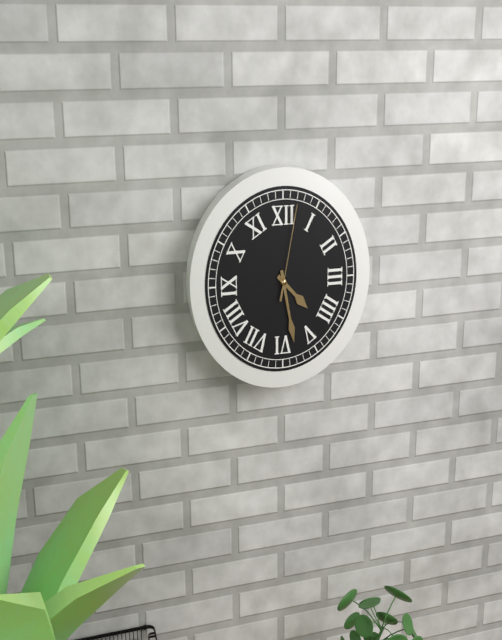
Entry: **4:28:02**
